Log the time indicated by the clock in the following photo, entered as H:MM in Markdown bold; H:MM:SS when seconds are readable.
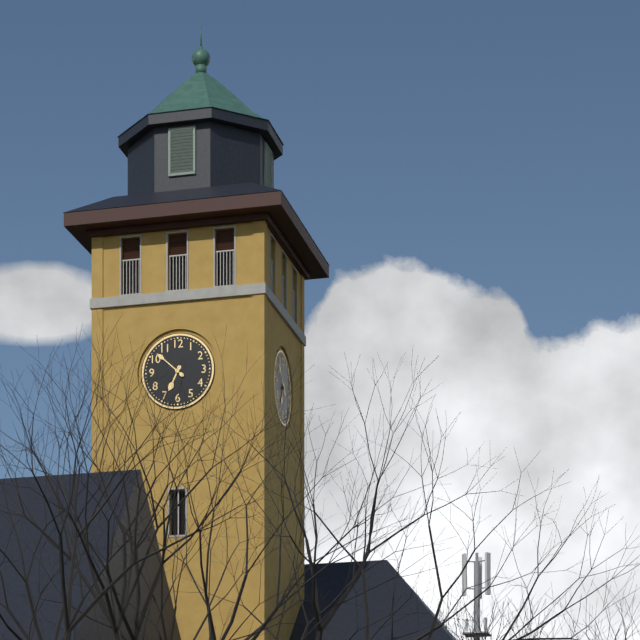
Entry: **6:52**
